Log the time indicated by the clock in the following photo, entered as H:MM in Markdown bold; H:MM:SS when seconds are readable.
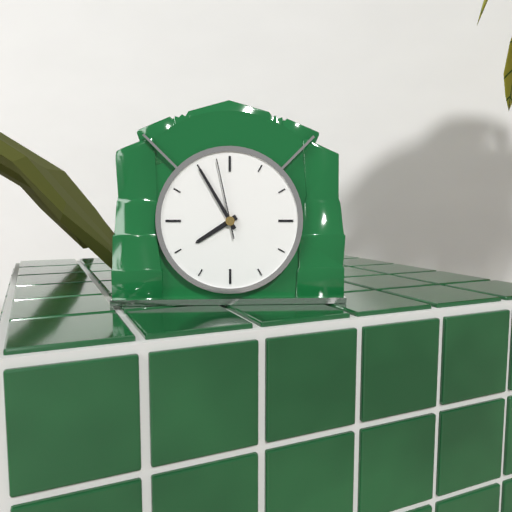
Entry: **7:55:58**
